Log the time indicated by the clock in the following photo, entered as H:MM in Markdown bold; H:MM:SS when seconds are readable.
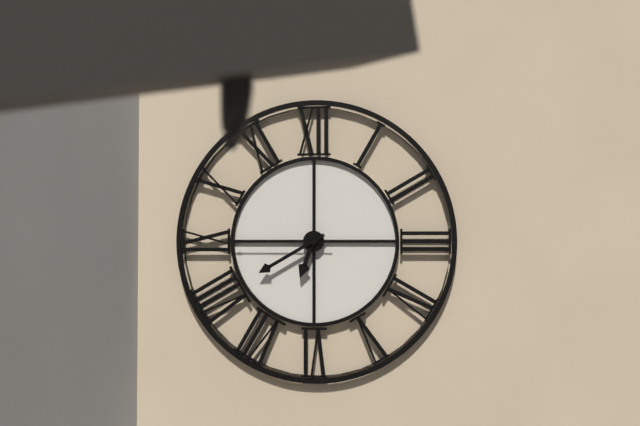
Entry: **6:40:45**
